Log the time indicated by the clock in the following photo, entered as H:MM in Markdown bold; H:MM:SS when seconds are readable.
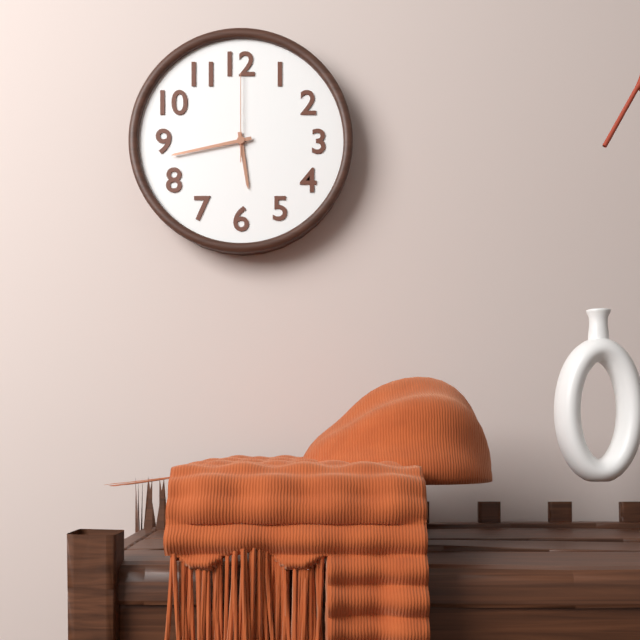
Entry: **5:43:00**
